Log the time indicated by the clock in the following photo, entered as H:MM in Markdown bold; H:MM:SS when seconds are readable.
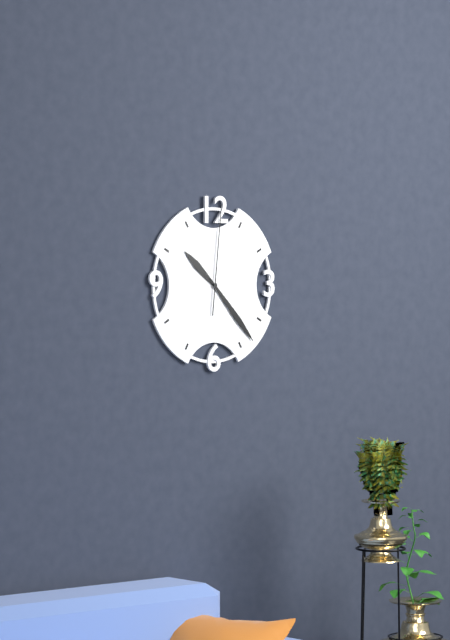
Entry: **10:23:01**
